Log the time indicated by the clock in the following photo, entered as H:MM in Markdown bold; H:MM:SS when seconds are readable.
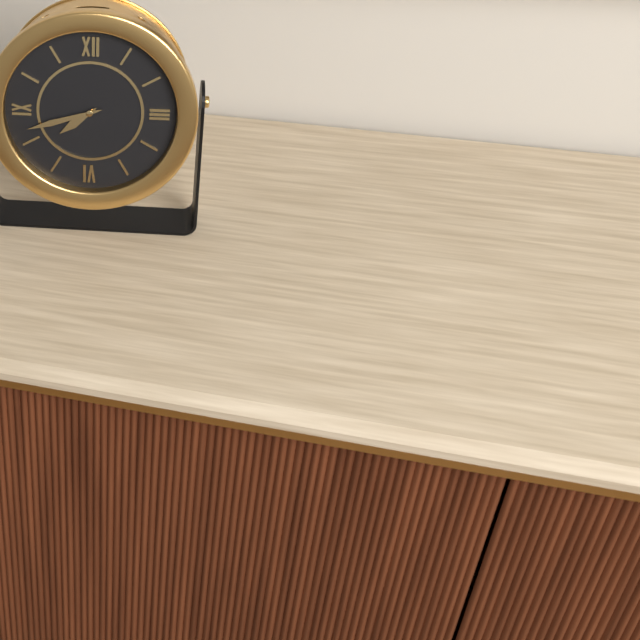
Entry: **7:42**
